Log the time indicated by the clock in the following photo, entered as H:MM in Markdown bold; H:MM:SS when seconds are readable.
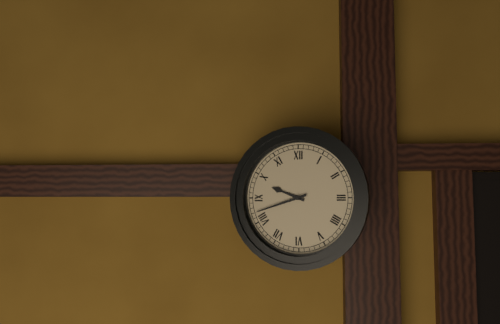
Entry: **9:42**
